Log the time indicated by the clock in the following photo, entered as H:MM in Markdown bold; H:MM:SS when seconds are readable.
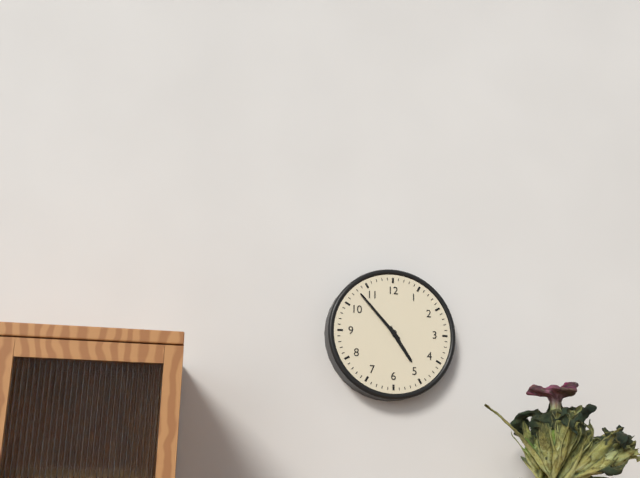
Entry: **4:53**
